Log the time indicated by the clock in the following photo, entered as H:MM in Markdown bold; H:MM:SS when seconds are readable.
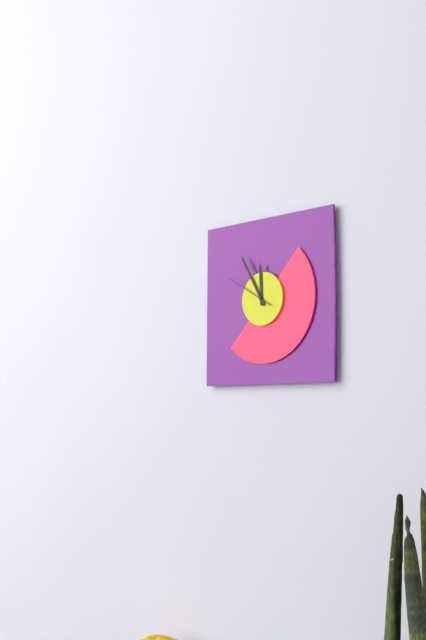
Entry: **11:55**
